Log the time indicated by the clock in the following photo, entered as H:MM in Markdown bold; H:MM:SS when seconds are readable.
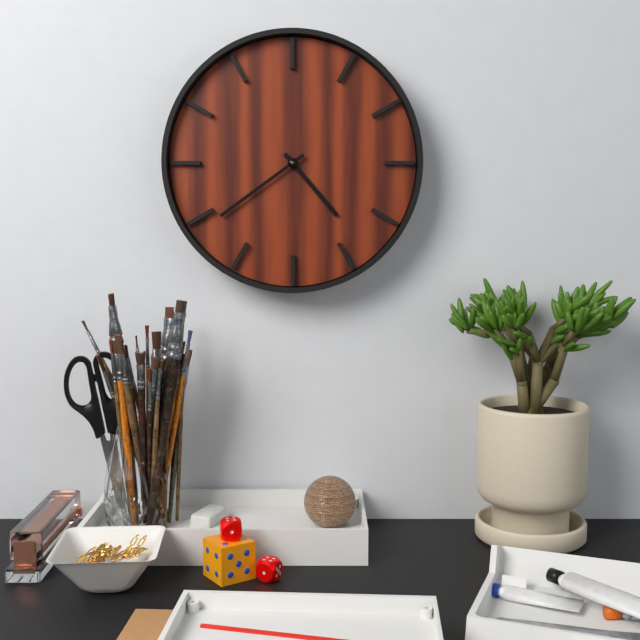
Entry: **4:39**
